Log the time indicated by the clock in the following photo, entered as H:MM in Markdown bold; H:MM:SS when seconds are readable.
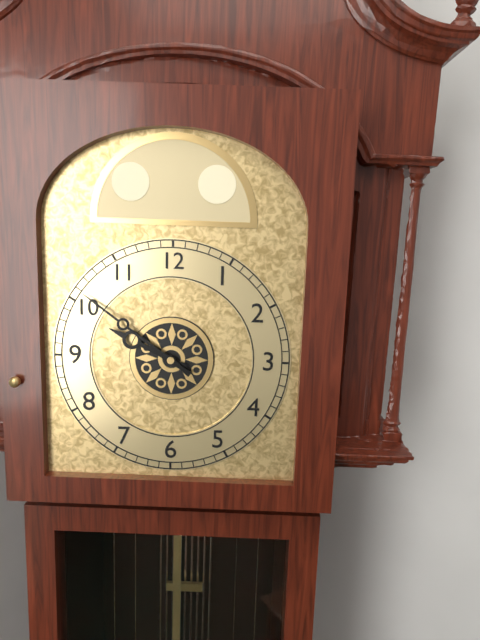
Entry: **9:51**
